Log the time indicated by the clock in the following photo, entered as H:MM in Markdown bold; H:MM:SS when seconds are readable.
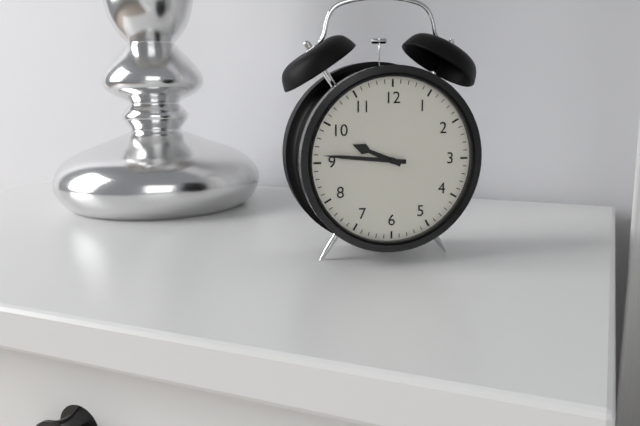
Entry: **9:46**
